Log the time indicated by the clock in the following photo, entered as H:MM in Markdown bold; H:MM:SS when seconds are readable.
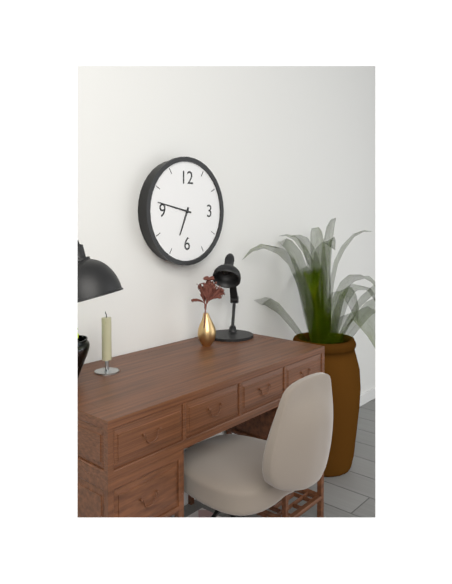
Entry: **6:47**
